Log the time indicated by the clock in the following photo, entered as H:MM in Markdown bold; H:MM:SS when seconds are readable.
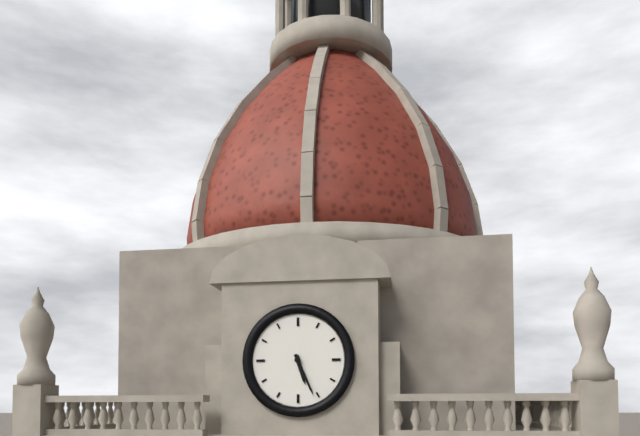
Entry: **5:26**
